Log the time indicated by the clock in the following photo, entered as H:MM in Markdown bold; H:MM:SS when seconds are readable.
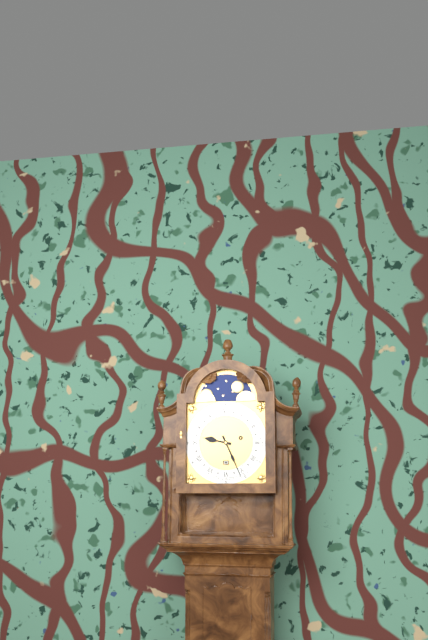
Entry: **9:26**
